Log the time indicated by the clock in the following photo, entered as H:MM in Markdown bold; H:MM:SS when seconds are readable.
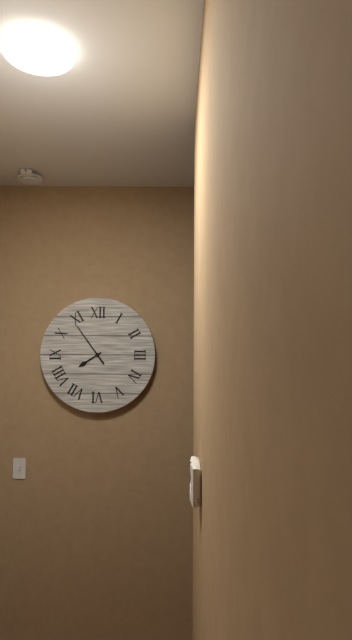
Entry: **7:54**
